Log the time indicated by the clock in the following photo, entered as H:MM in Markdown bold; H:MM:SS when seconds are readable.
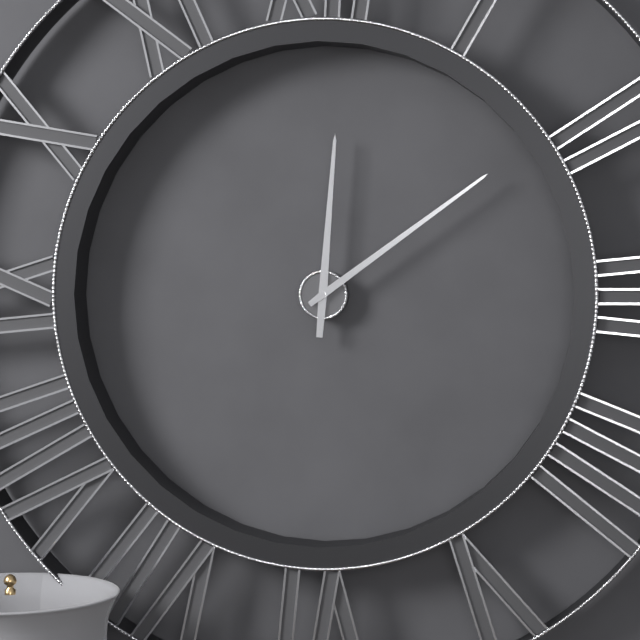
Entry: **12:09**
